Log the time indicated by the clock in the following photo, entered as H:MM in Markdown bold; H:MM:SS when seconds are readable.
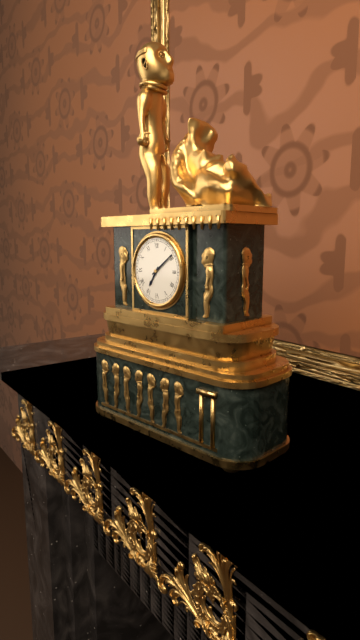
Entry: **7:09**
